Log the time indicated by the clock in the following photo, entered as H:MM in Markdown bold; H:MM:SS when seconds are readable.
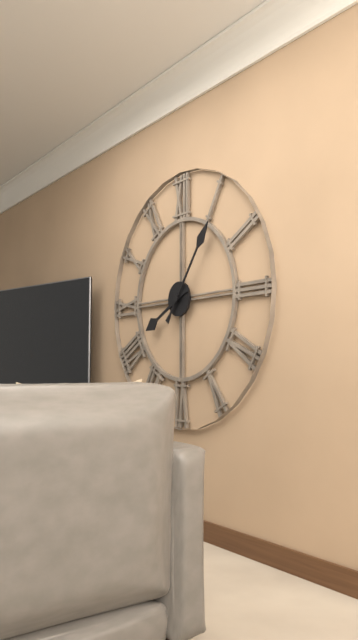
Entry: **8:06**
